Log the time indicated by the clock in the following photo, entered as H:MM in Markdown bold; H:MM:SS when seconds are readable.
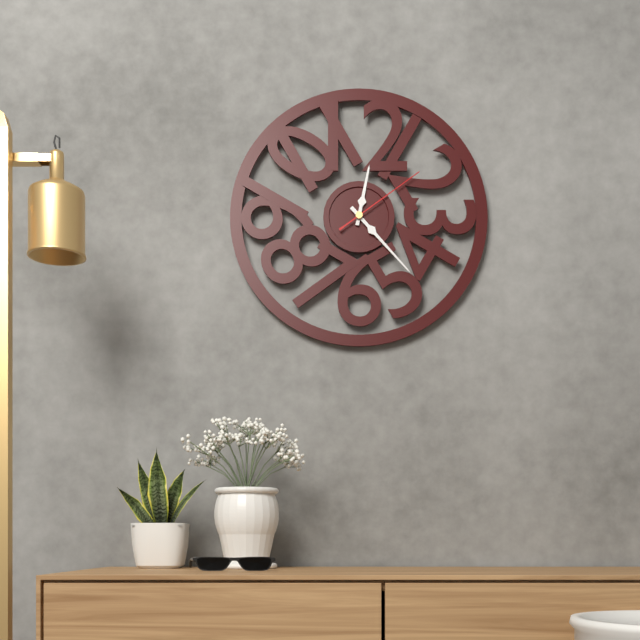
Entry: **12:23:09**
